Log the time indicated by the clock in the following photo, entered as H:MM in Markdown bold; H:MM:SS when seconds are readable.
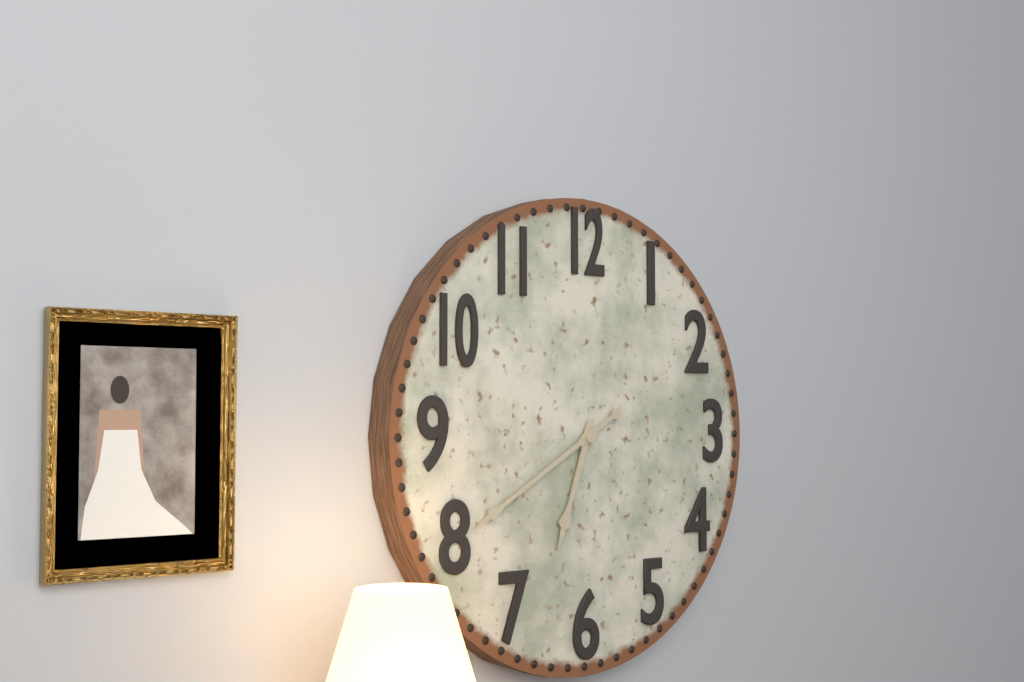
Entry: **6:40**
